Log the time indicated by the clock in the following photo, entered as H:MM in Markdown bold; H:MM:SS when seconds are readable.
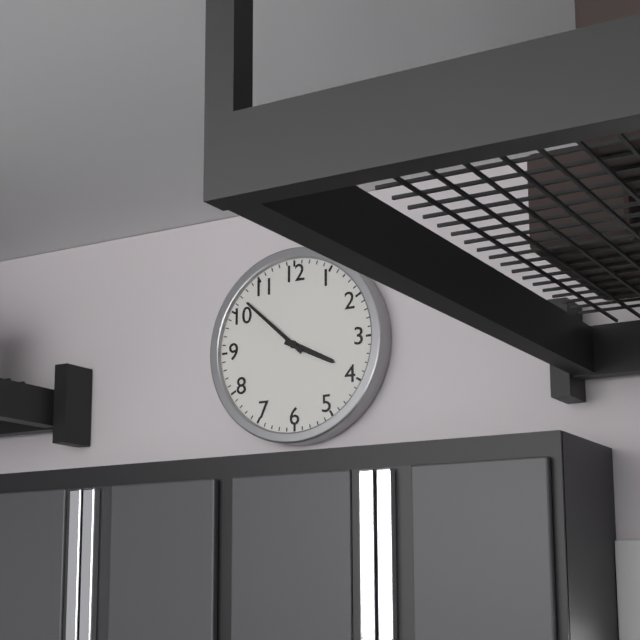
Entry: **3:52**
